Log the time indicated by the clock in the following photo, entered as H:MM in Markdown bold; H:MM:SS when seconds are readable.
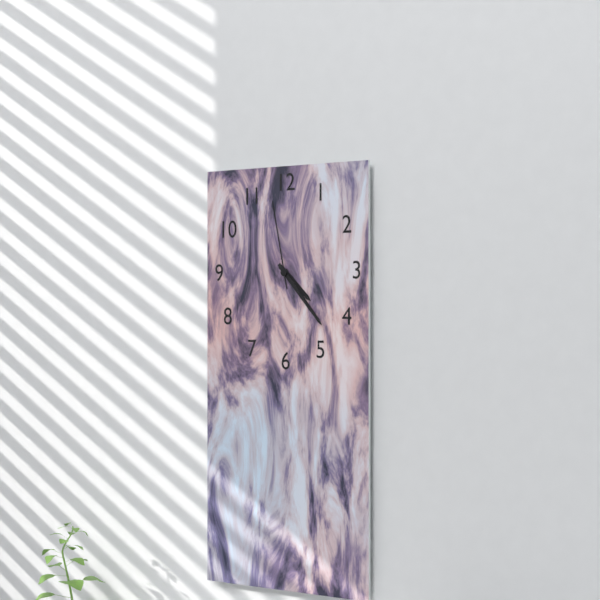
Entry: **4:23:58**
